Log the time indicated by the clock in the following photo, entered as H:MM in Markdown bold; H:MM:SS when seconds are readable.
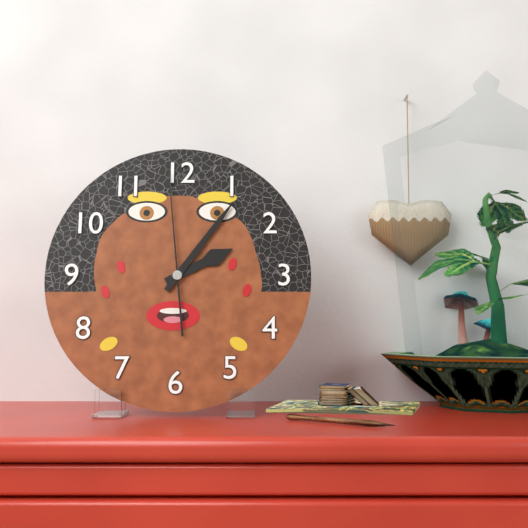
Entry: **2:06:59**
